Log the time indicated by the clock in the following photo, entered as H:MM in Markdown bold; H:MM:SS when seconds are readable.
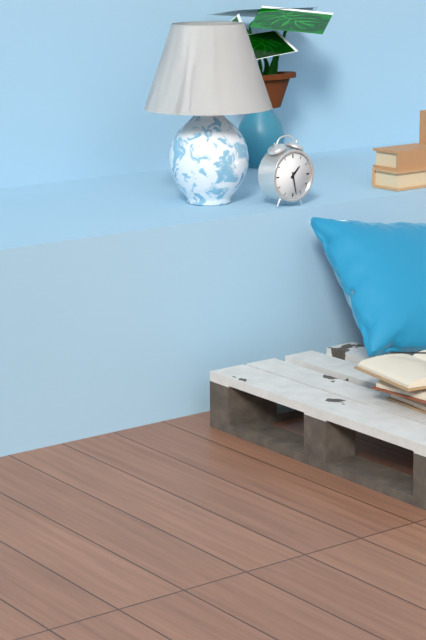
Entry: **1:28**
